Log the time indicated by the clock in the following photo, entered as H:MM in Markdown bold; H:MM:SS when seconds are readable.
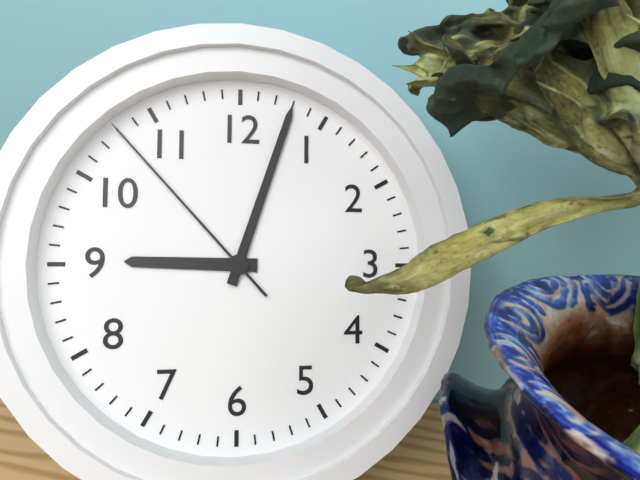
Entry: **9:03:53**
